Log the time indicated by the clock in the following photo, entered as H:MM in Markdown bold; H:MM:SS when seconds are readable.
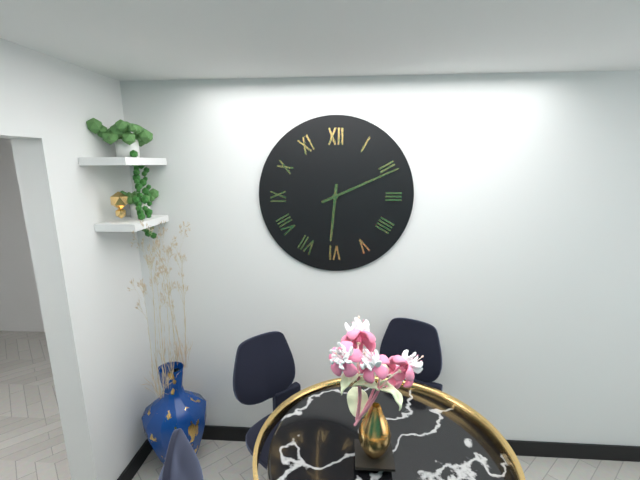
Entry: **6:11**
